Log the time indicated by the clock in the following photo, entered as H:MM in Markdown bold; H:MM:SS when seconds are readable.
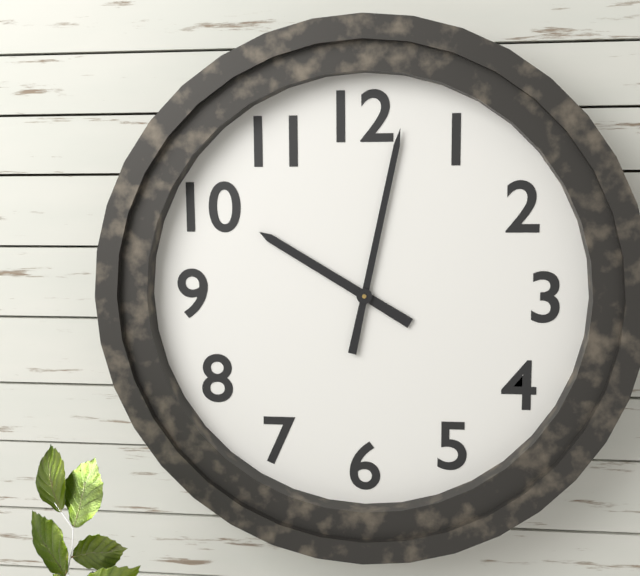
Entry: **10:02**
